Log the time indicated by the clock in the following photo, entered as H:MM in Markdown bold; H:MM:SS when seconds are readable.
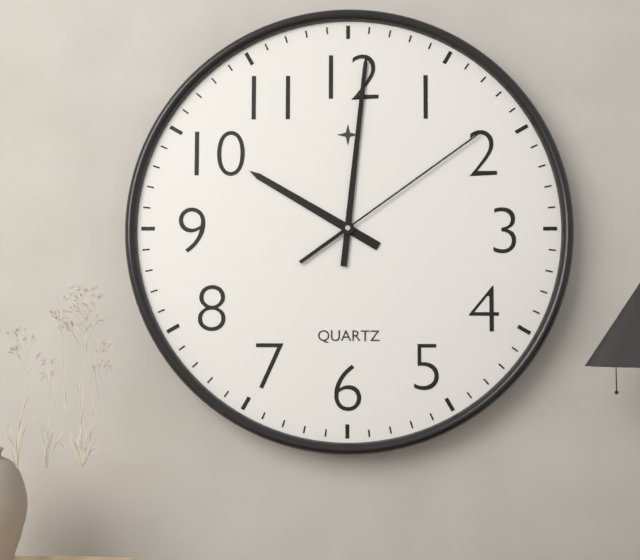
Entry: **10:01:09**
